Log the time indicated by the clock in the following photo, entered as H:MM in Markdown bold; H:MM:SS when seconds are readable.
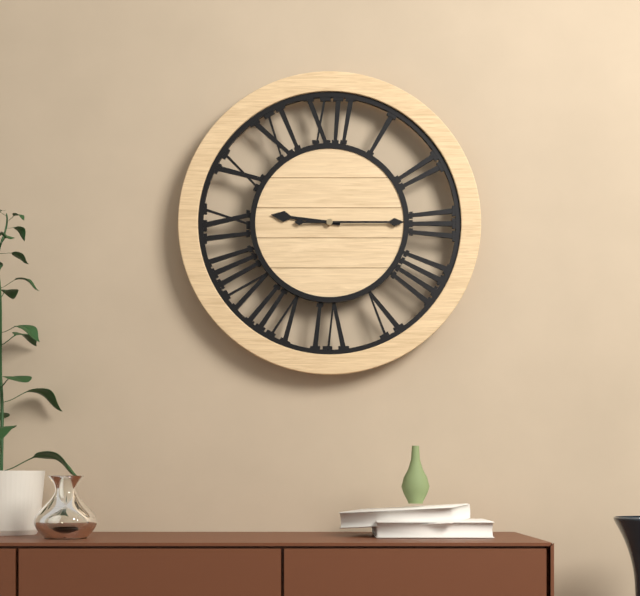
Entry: **9:15**
